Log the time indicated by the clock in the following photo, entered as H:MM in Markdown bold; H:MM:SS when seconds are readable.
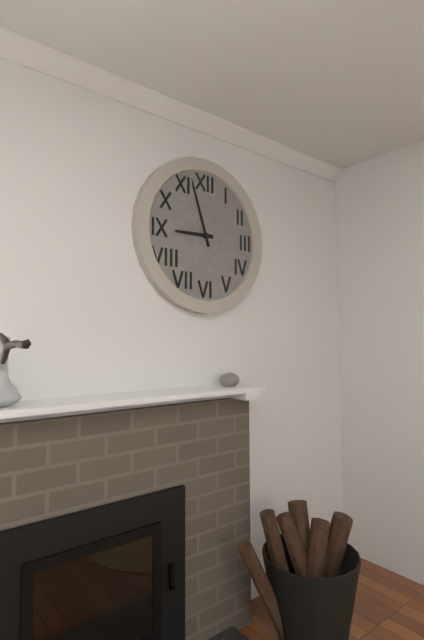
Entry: **8:57**
